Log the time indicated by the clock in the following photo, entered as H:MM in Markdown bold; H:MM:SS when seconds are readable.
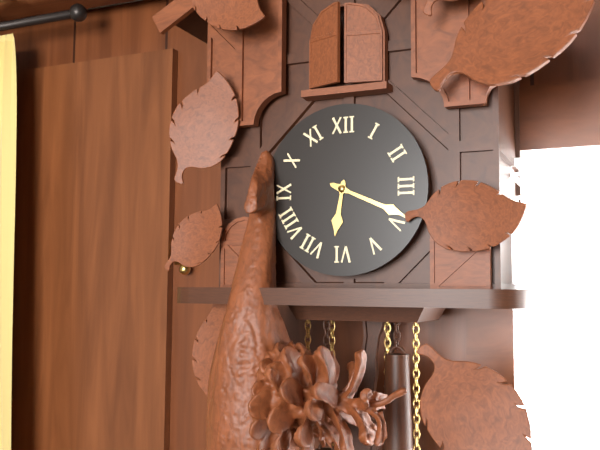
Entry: **6:19**
